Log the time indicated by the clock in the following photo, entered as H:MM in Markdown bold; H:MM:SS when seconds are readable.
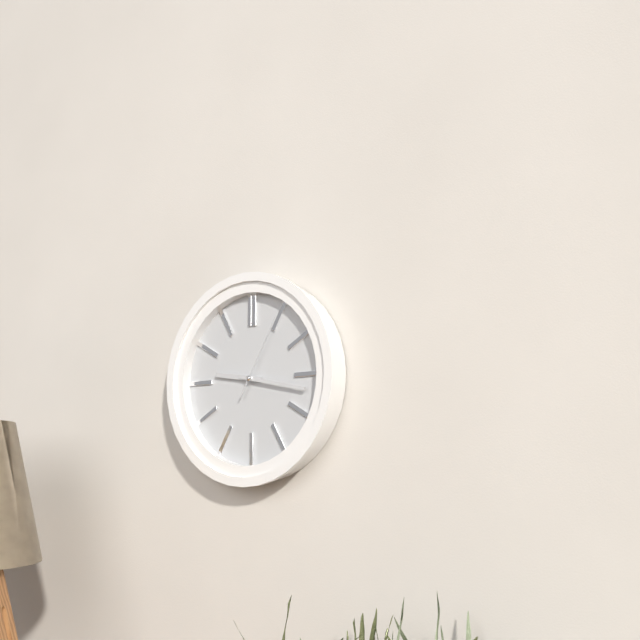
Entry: **9:17:05**
